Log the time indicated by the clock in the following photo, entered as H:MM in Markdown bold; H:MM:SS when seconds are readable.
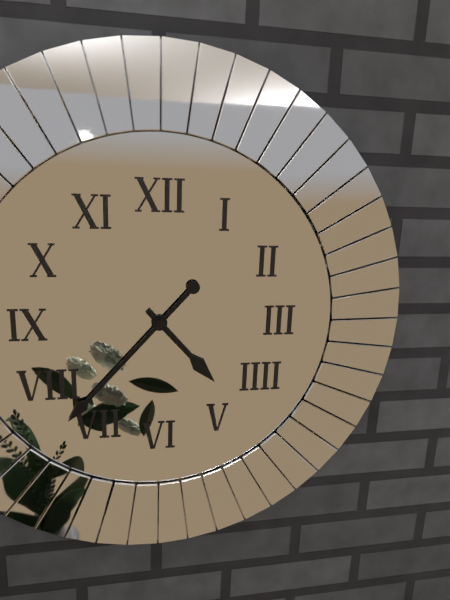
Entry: **4:37**
